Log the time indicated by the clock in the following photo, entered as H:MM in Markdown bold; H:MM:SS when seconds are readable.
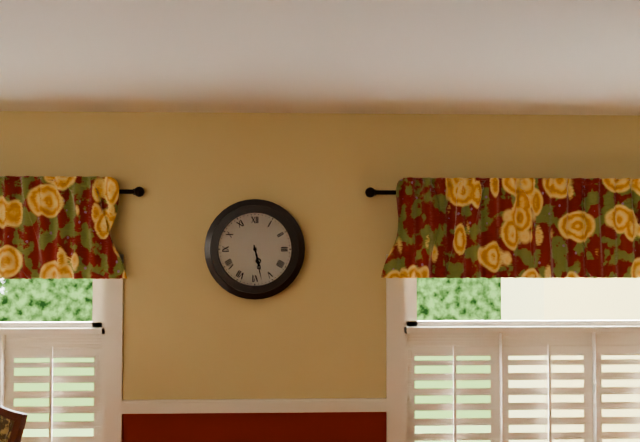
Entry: **5:28**
